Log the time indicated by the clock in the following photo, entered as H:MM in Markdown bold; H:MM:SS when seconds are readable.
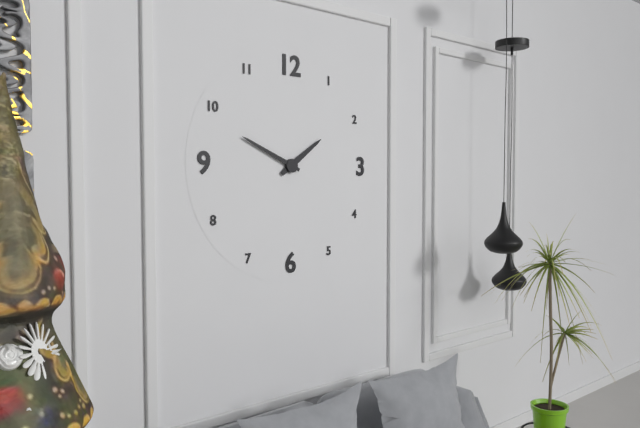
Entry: **1:49**
